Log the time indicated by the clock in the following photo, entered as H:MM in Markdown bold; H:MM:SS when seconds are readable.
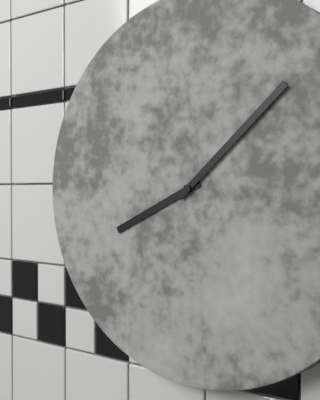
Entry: **8:08**
